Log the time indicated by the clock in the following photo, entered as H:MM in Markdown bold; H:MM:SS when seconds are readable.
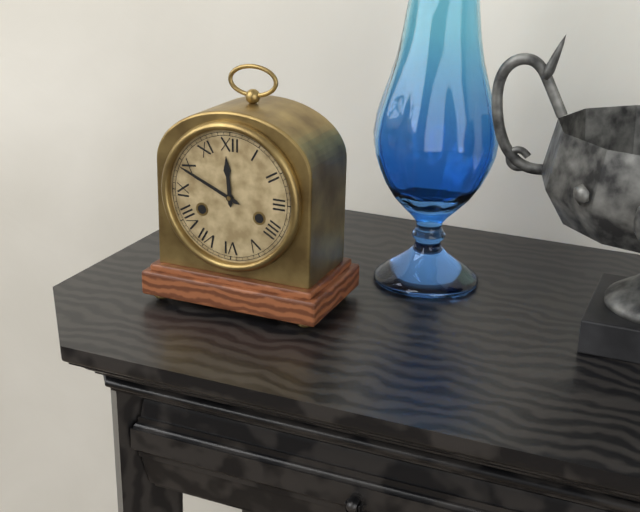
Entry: **11:49**
